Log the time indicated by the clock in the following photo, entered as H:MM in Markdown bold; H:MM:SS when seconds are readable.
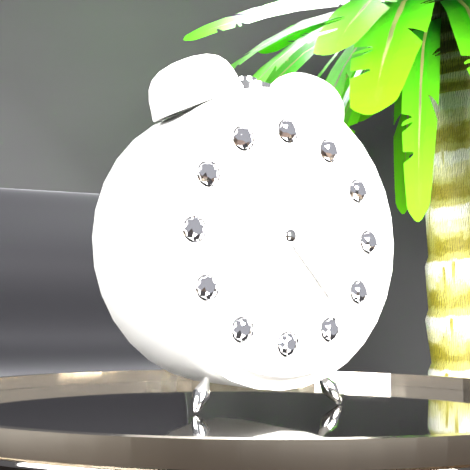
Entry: **1:23:30**
